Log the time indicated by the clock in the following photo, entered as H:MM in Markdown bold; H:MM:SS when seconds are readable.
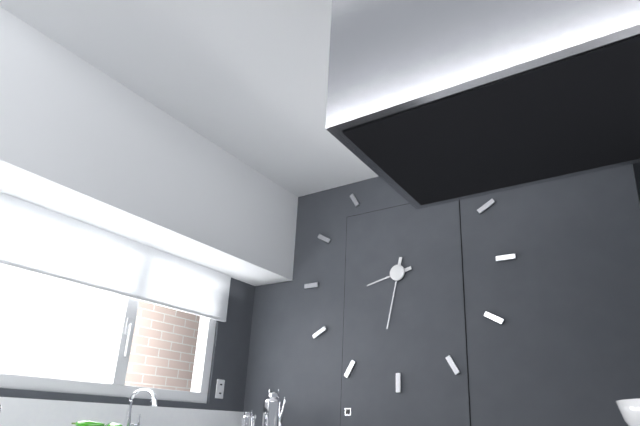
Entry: **8:32**
